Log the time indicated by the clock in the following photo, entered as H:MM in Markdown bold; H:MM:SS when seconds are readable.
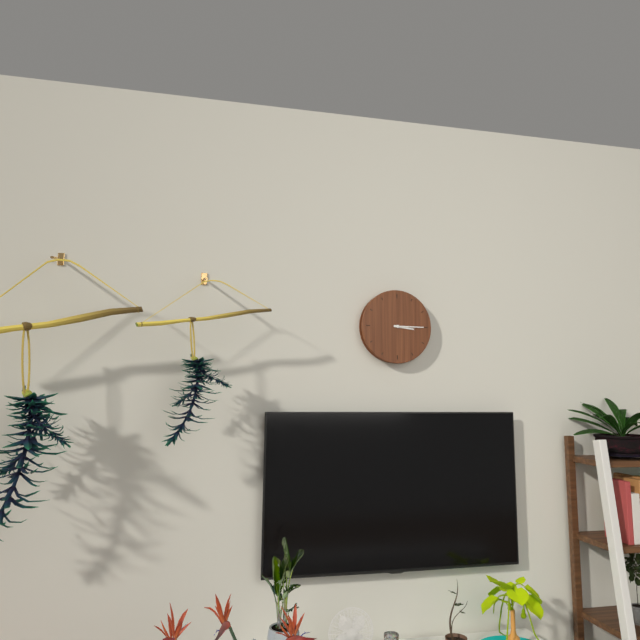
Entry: **3:15**
